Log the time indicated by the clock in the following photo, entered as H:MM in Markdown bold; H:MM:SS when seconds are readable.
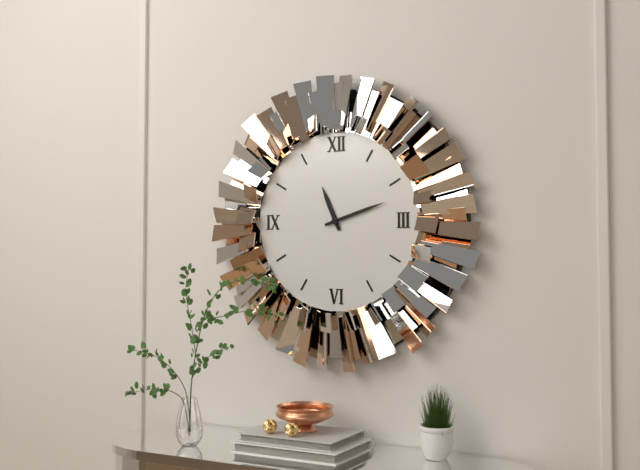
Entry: **11:12**
